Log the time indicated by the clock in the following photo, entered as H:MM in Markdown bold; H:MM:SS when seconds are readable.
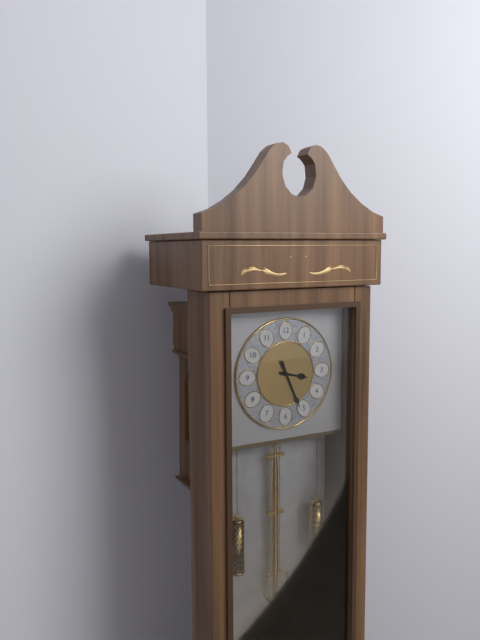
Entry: **3:26**
